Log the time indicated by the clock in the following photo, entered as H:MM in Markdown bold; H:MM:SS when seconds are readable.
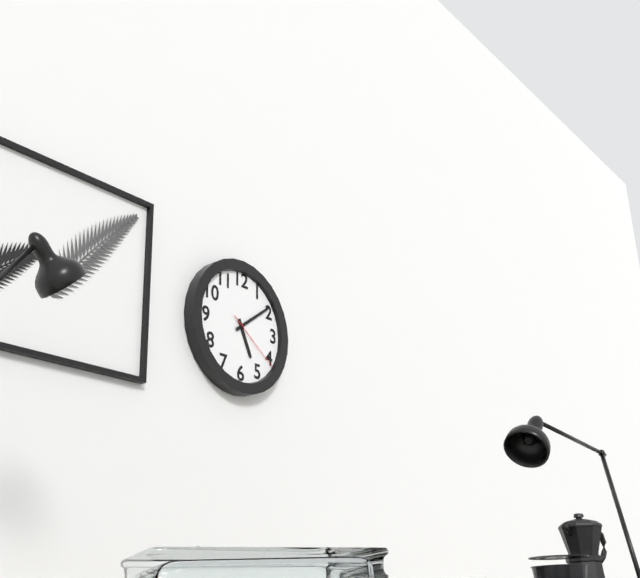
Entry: **5:09:21**
